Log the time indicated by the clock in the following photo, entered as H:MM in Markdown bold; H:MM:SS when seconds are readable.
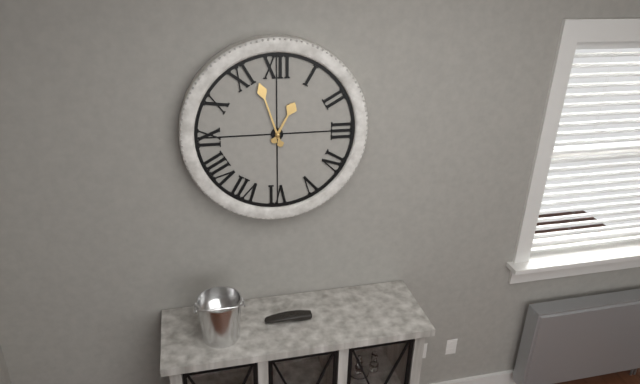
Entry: **12:57**
